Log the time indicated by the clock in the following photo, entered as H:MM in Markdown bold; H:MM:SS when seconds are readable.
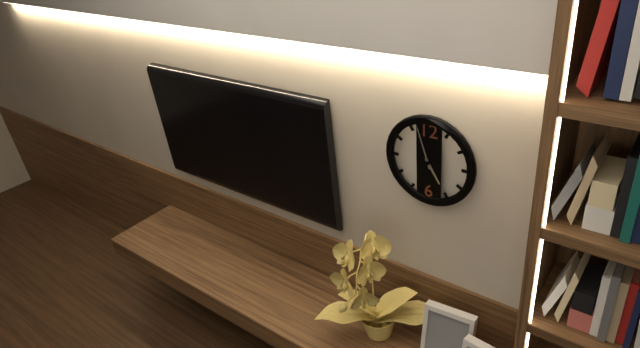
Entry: **4:57**
